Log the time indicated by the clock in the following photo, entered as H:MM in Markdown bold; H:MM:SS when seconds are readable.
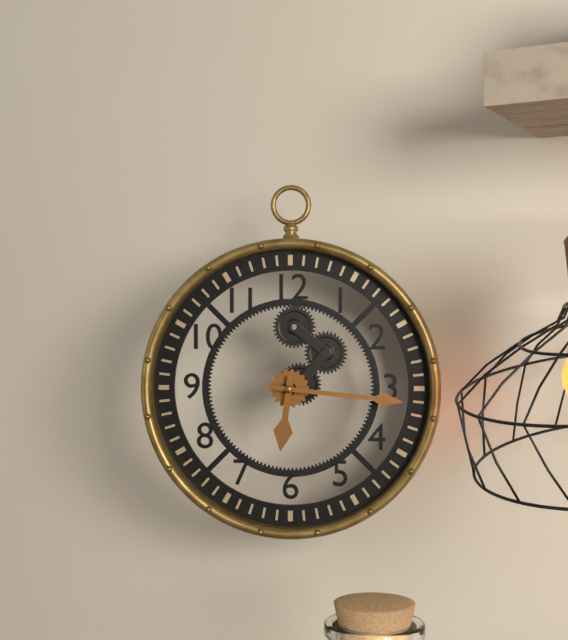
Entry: **6:16**
